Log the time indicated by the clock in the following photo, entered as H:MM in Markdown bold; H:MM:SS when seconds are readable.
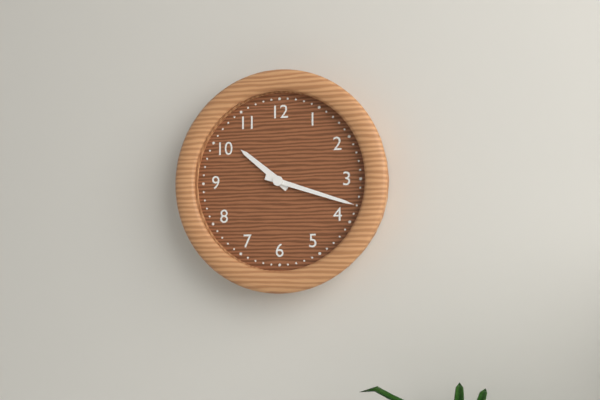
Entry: **10:18**
